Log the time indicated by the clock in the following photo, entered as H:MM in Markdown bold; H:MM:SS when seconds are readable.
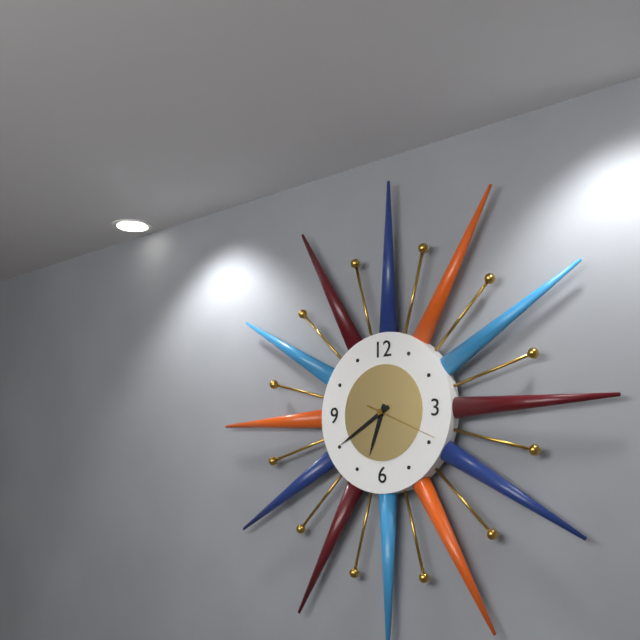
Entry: **6:40:19**
